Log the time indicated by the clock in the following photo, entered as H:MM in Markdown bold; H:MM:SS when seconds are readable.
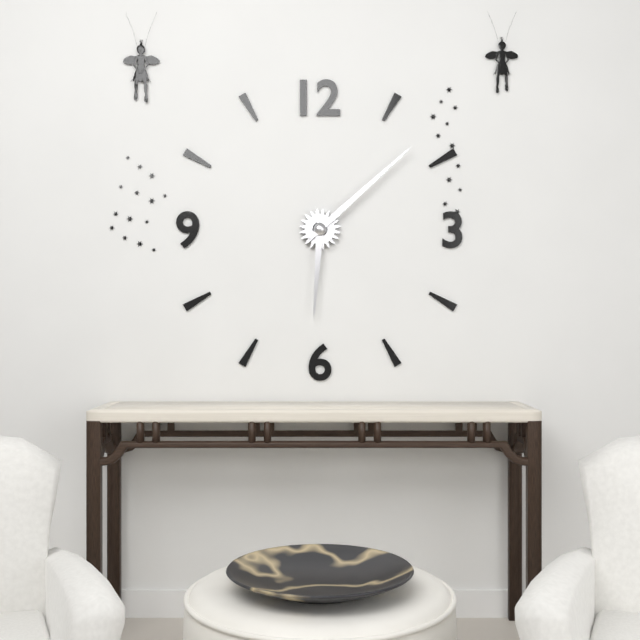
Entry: **6:08**
